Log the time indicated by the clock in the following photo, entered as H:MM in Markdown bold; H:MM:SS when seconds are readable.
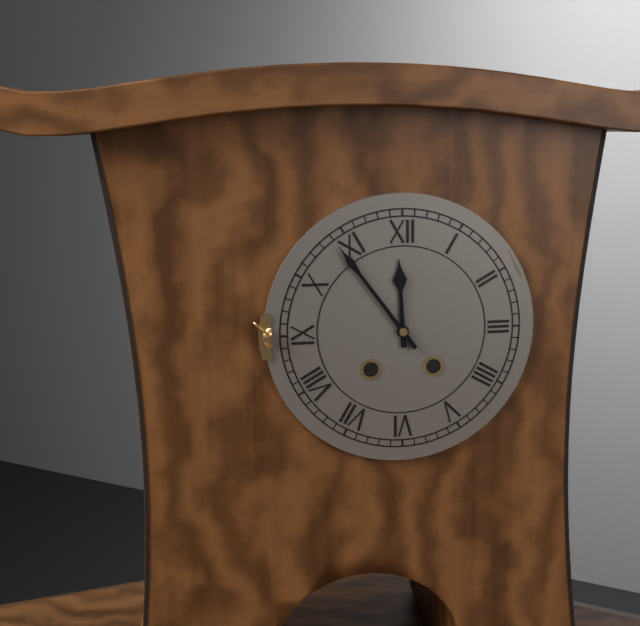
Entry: **11:54**
